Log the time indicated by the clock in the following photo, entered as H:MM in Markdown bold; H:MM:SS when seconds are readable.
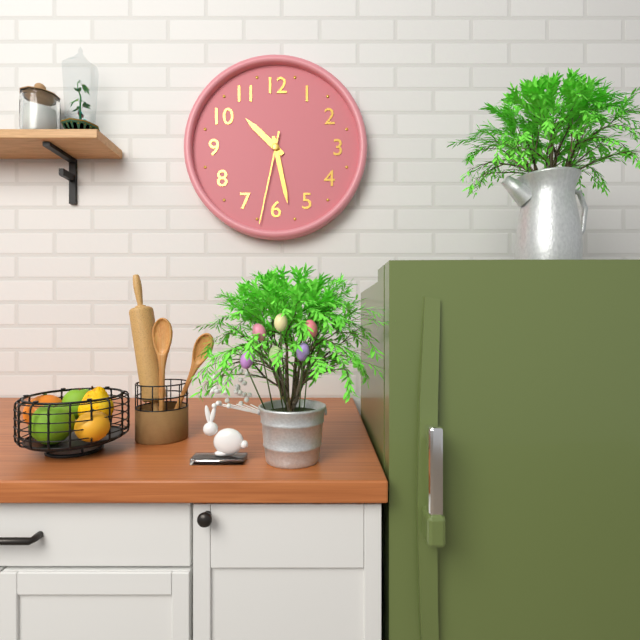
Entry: **10:28:32**
